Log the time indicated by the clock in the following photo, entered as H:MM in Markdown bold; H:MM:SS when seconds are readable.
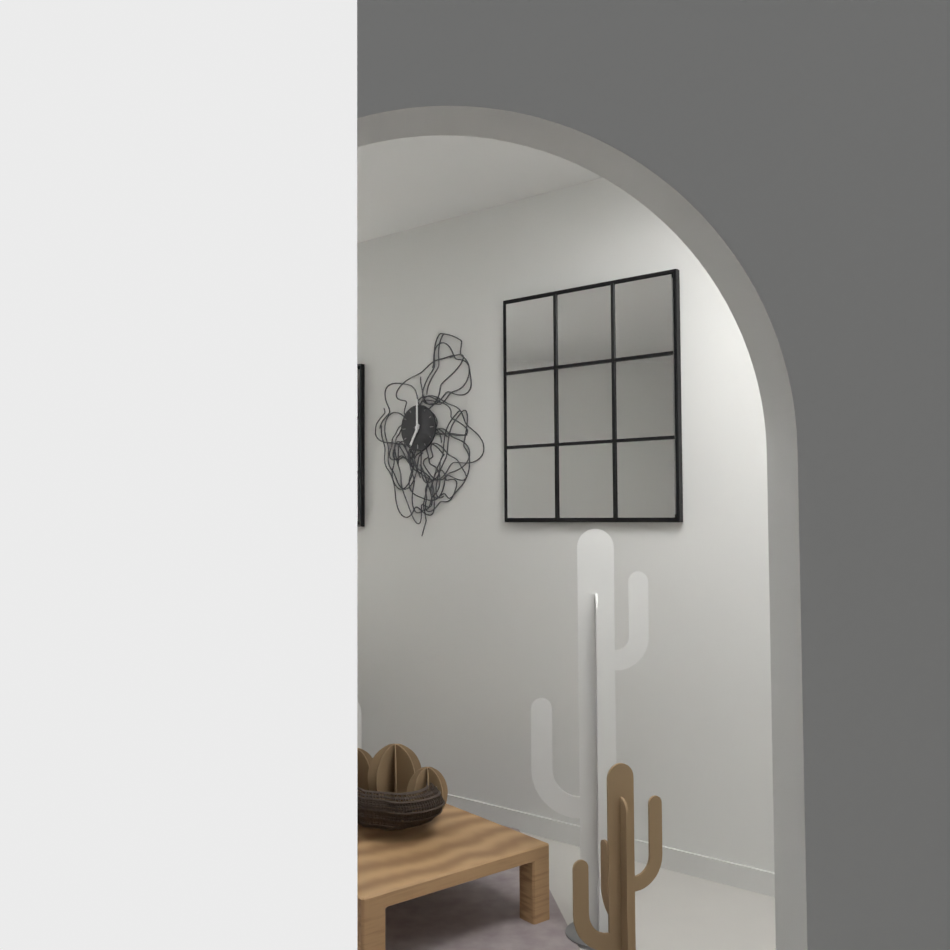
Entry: **7:00**
